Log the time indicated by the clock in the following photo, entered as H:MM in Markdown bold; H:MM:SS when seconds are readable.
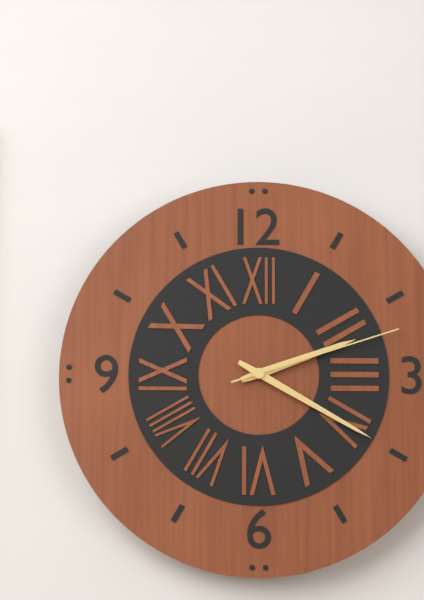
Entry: **2:20:12**
